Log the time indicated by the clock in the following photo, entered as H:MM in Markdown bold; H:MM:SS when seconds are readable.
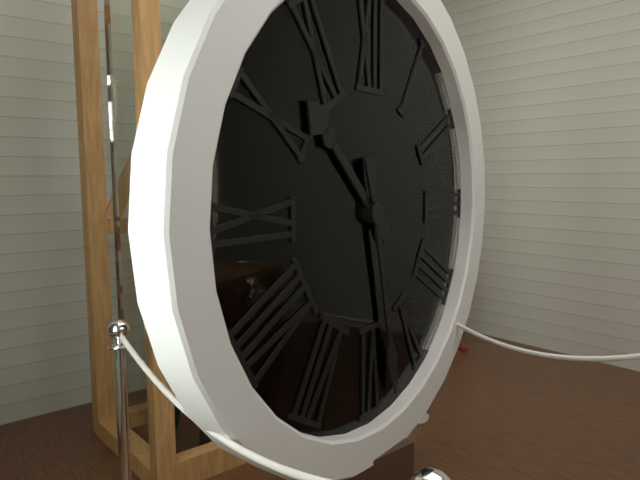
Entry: **10:28**
